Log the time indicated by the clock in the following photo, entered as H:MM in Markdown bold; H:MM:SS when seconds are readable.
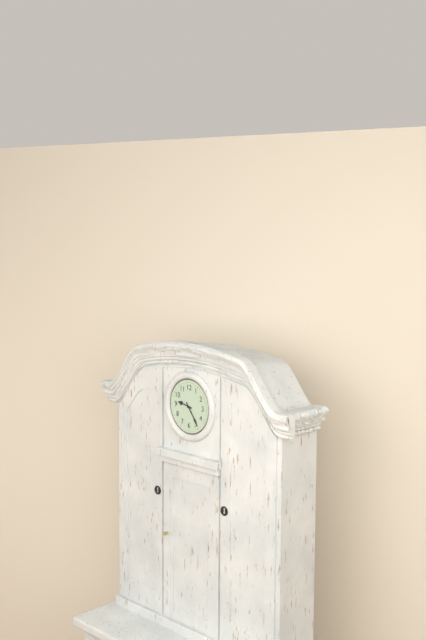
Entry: **9:24**
